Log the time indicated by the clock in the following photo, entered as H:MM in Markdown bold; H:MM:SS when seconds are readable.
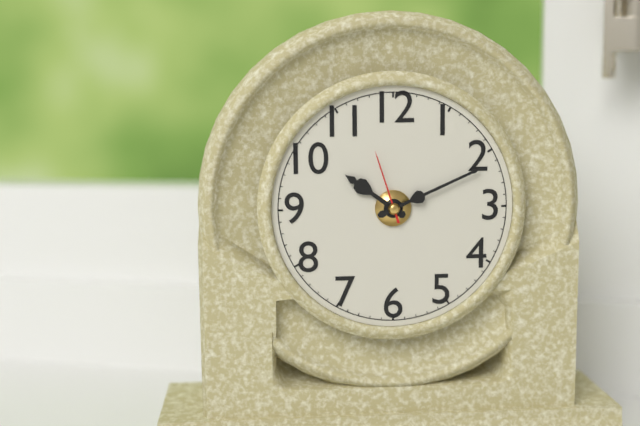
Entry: **10:11:57**
